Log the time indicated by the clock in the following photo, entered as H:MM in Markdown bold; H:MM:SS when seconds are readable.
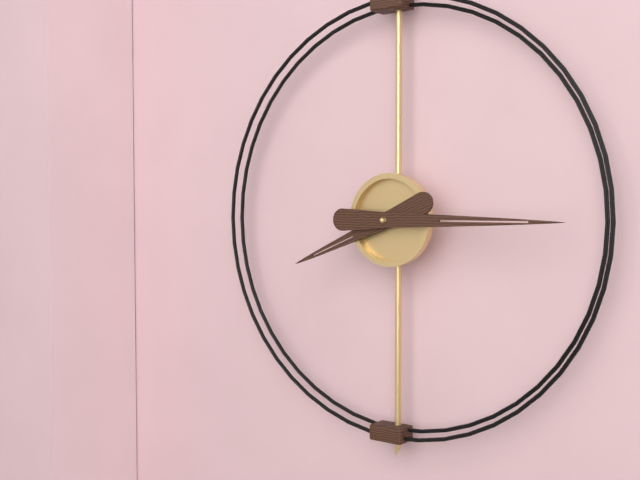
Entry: **8:15**
